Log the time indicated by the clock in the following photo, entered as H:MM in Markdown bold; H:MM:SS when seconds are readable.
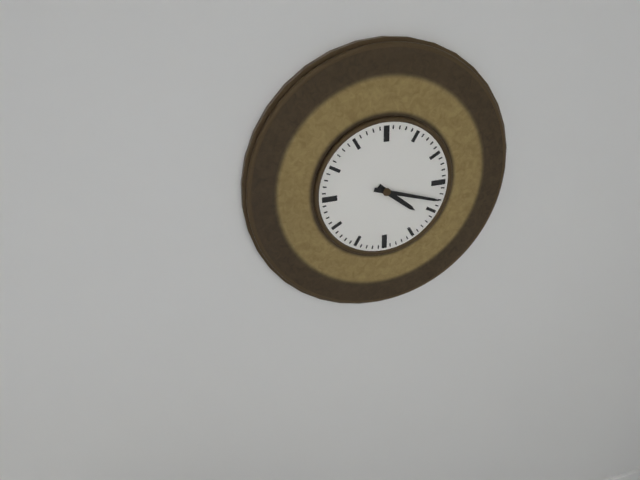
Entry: **4:18**
